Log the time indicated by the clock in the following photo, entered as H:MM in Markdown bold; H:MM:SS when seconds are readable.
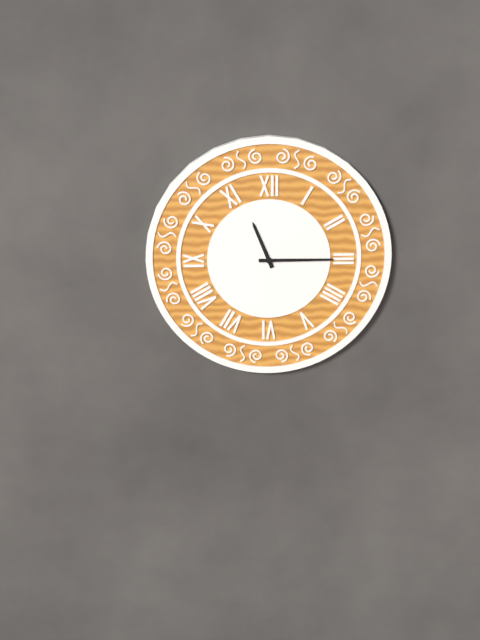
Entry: **11:15**
